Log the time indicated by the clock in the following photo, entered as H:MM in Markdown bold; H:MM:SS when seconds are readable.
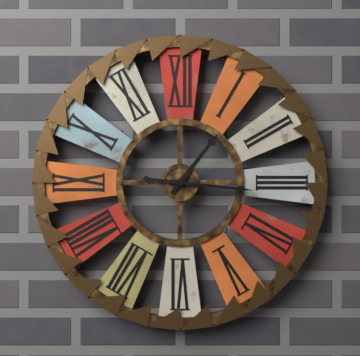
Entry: **1:16**
